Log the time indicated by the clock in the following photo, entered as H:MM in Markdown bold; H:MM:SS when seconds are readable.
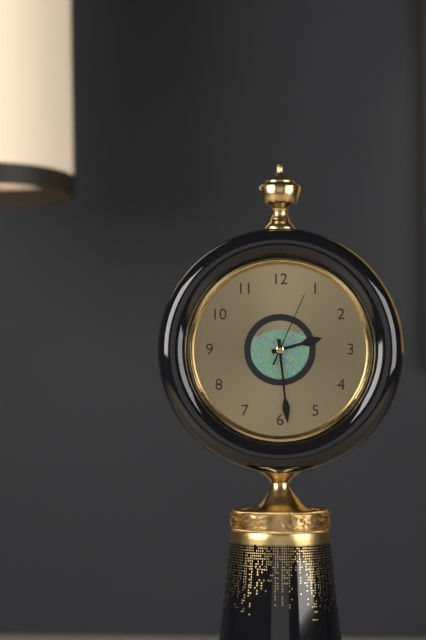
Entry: **2:29:04**
